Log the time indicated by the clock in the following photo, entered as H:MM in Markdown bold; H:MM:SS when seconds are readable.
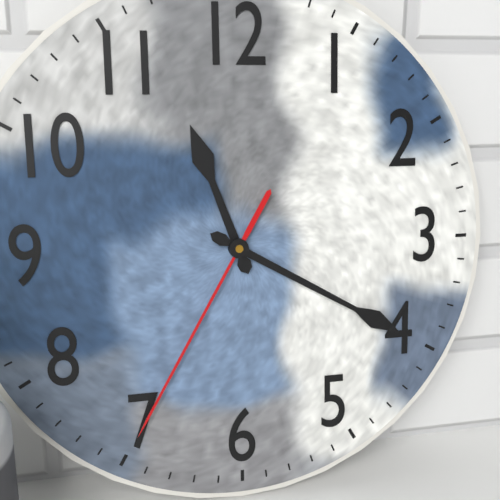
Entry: **11:20:35**
